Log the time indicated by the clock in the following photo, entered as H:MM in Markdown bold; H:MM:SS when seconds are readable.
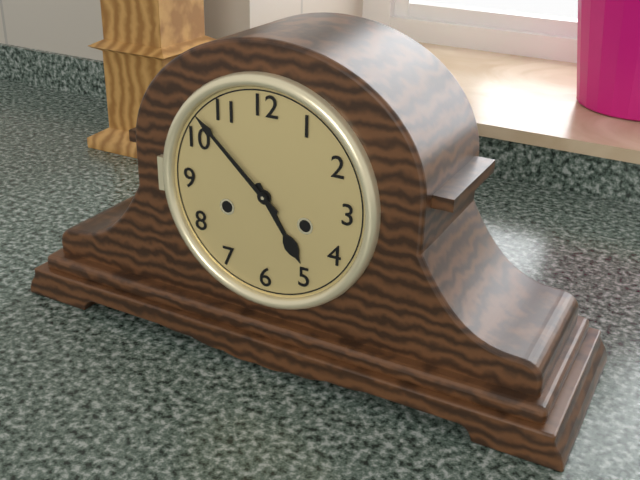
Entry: **4:52**
